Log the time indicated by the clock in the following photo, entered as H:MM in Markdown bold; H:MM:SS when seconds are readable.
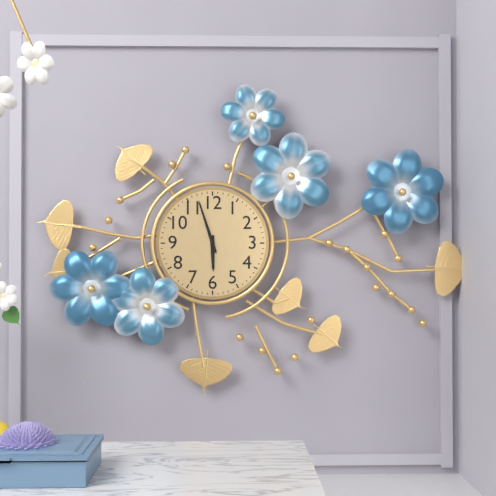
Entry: **5:57**
